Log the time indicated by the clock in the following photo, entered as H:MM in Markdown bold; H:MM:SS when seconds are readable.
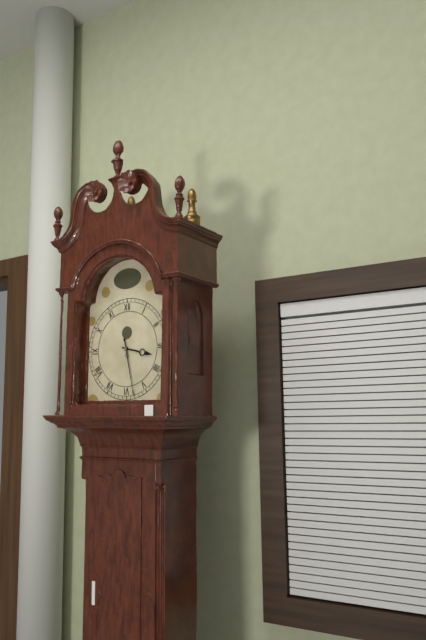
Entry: **3:28**
